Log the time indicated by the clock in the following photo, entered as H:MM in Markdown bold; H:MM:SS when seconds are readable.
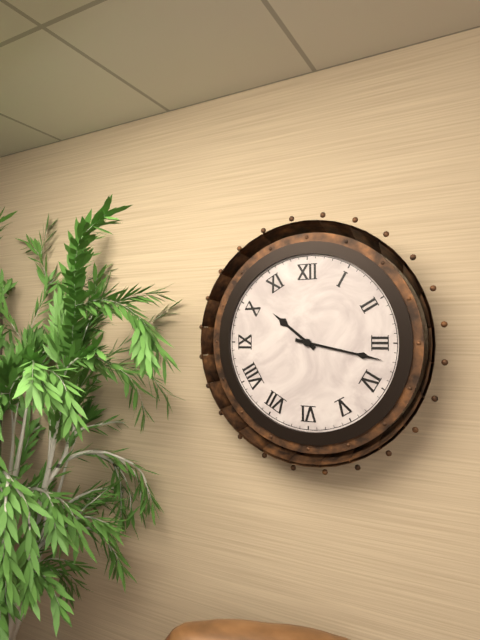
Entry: **10:17**
